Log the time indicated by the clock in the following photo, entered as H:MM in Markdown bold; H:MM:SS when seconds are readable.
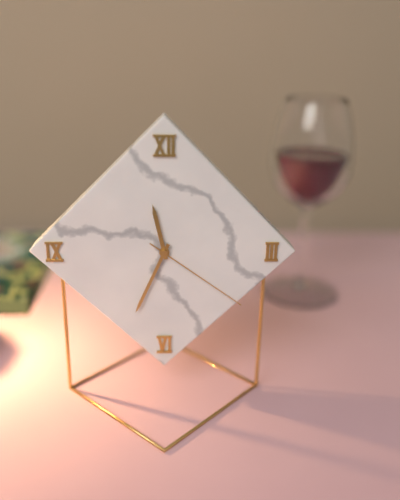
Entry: **11:34:21**
